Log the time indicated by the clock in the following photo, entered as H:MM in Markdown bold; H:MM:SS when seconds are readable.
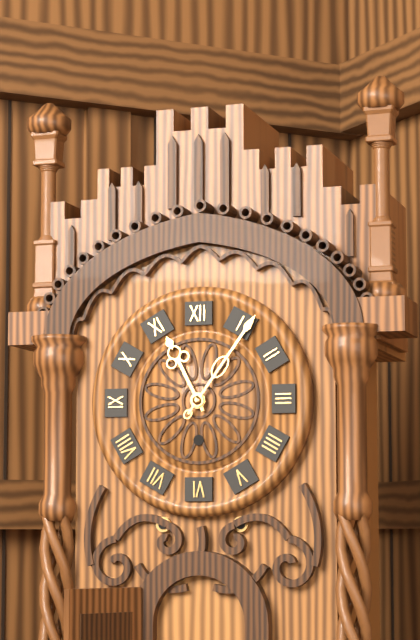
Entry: **11:06**
